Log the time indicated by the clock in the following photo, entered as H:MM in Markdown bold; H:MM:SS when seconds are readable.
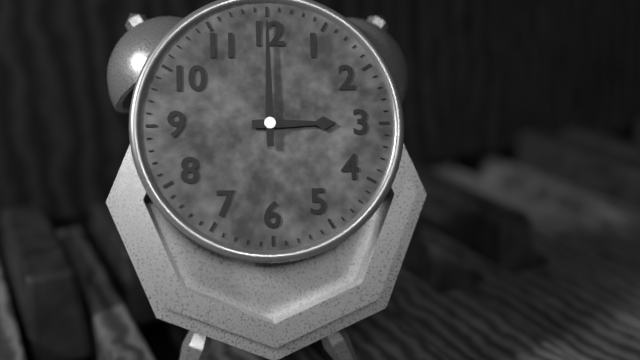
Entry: **3:00**
